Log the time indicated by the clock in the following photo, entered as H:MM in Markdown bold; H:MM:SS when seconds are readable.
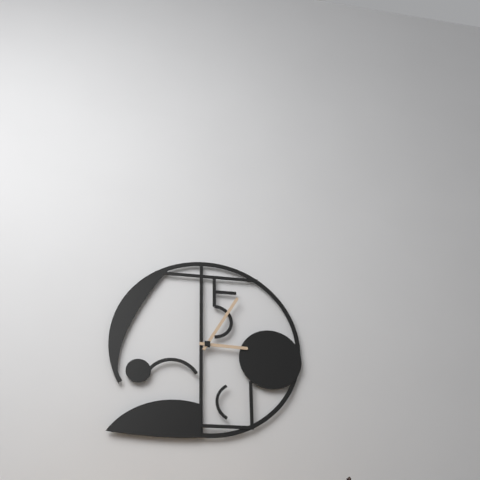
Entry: **3:05**
